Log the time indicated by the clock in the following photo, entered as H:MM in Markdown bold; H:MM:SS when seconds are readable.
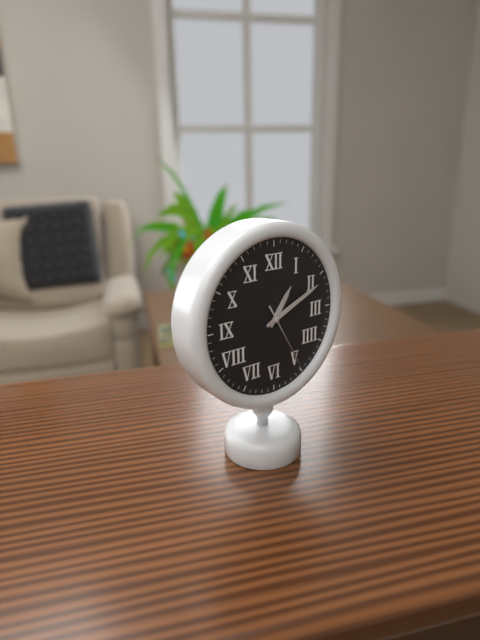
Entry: **1:11:25**
